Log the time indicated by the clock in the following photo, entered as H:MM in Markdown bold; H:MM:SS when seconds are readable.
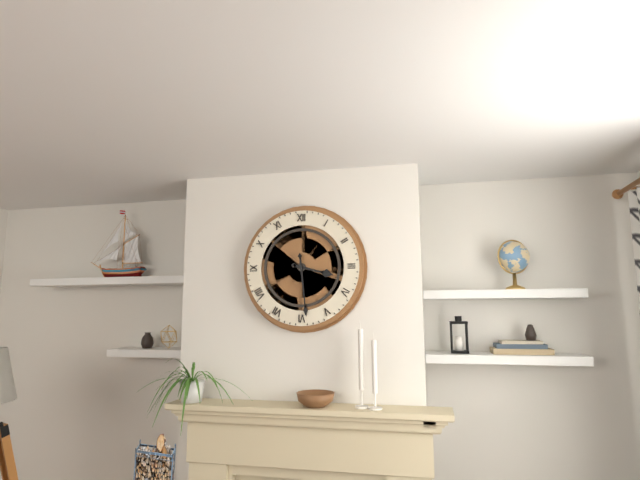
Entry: **3:29**
